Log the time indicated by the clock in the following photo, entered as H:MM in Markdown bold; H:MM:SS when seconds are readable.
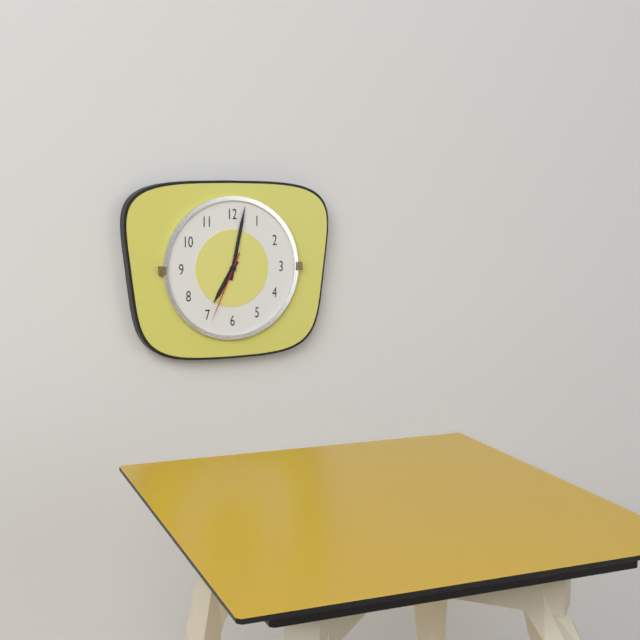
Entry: **7:02:34**
